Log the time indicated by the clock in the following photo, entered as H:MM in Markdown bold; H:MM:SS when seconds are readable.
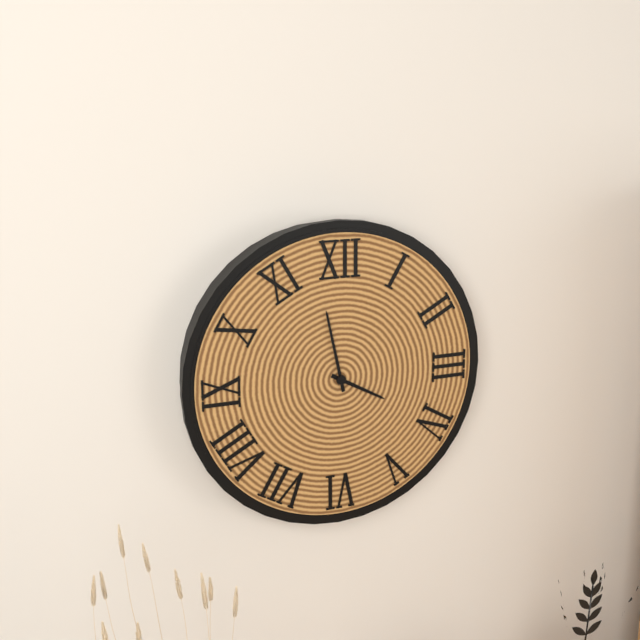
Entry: **3:58**
